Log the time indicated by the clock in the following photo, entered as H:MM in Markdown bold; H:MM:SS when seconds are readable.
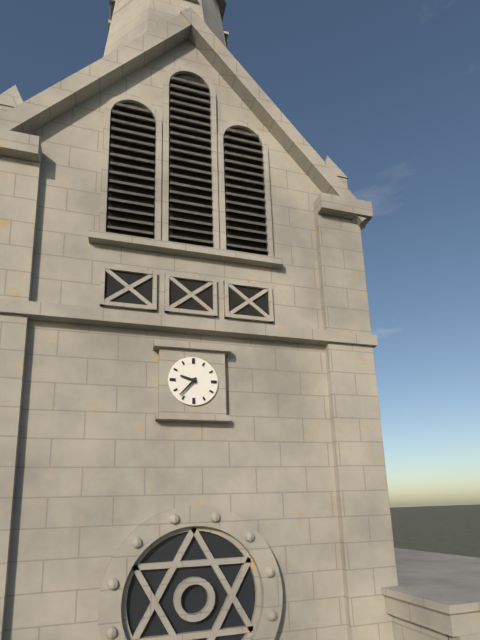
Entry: **9:37**
